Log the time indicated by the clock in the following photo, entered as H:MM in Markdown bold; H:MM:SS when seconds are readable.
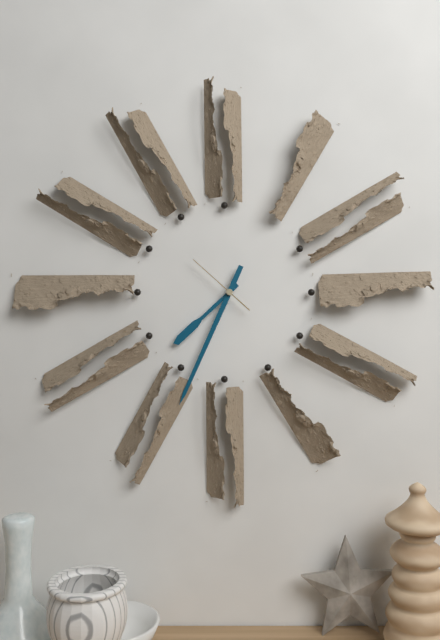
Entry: **7:34:52**
